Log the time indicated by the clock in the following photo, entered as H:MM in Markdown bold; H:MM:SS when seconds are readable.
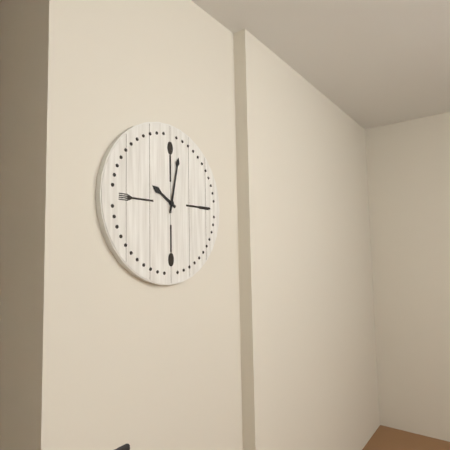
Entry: **10:02**
